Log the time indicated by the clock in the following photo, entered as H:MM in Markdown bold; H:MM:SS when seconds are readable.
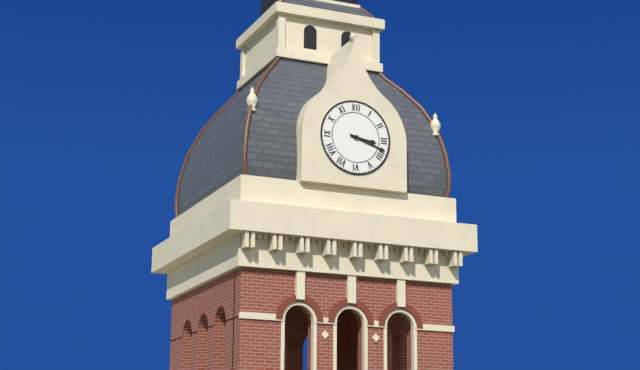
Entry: **3:18**
